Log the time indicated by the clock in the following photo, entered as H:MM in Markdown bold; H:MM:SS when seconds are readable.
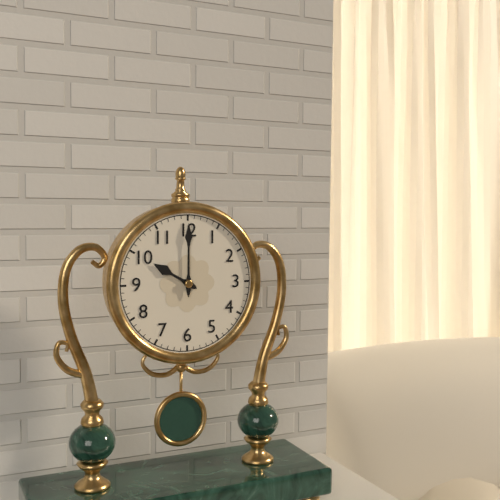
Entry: **10:00**
